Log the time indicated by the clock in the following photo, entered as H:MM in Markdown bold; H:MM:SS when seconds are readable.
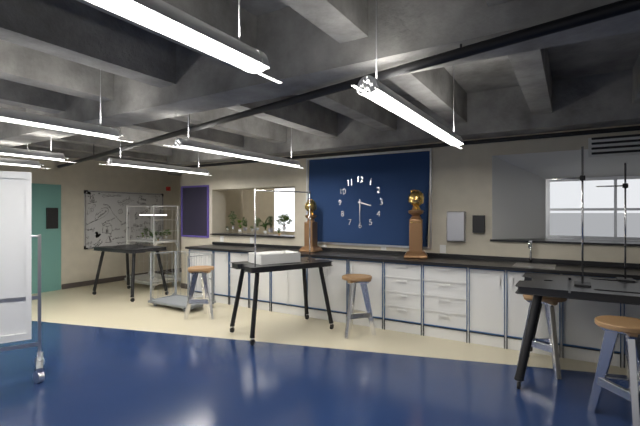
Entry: **3:30**
